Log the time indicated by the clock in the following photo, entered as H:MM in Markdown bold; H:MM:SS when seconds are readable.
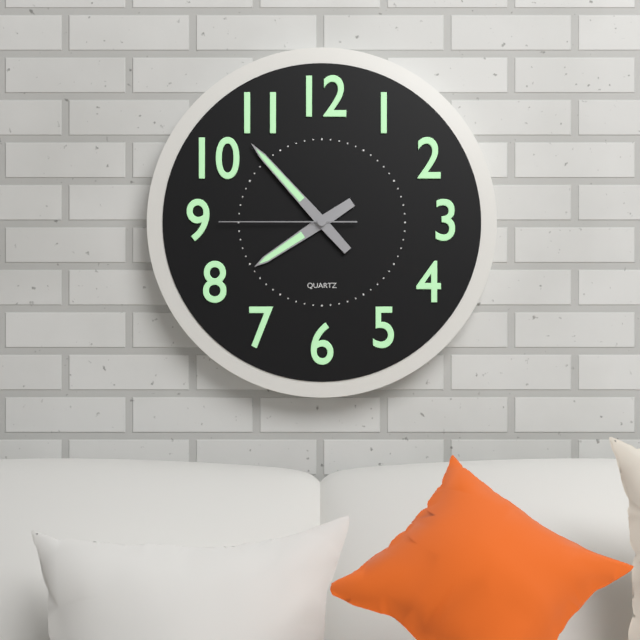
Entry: **7:53:45**
